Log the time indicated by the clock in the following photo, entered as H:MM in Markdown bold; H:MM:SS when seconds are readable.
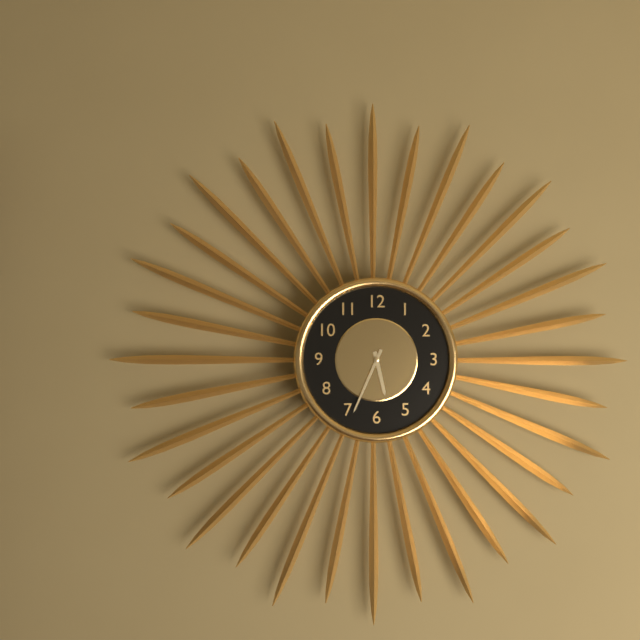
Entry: **5:34**
